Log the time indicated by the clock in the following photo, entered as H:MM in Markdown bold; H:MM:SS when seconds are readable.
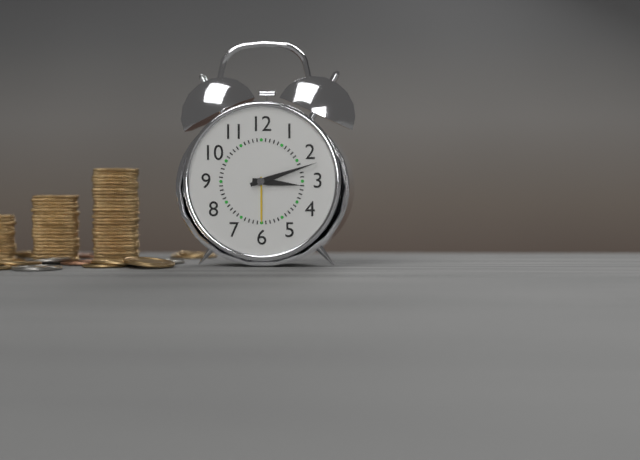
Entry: **3:12**
